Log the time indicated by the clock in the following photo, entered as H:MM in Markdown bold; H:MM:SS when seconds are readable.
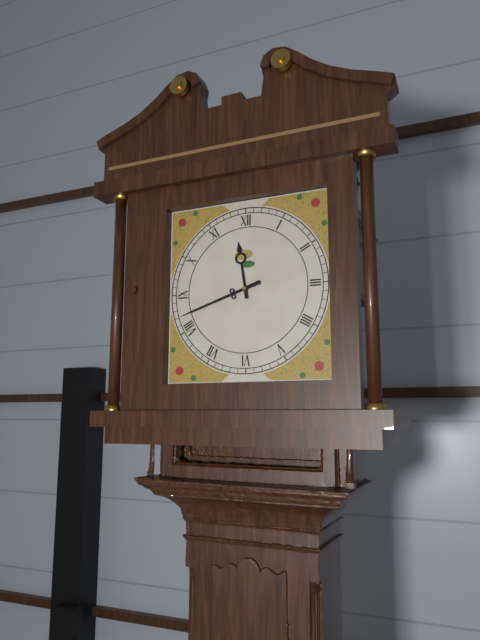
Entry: **11:42**
